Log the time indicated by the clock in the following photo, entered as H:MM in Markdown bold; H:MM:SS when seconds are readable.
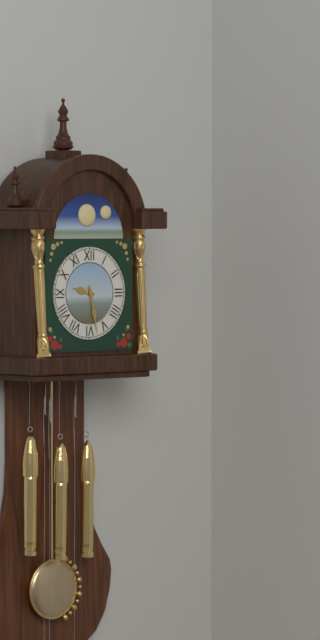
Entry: **9:28**
